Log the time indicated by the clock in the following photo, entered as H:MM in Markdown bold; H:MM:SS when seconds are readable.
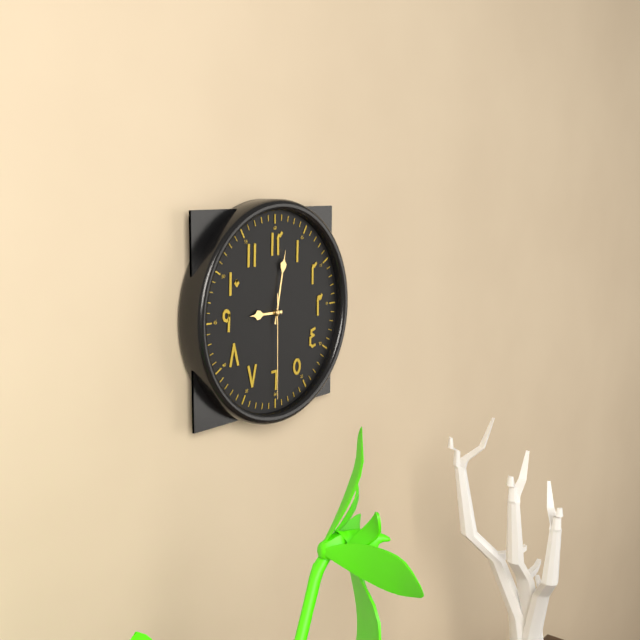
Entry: **9:02:30**
